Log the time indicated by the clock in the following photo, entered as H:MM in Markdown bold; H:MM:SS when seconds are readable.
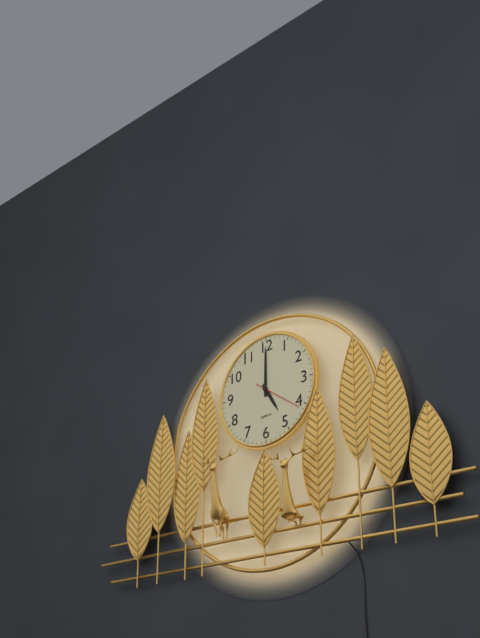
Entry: **5:00**
